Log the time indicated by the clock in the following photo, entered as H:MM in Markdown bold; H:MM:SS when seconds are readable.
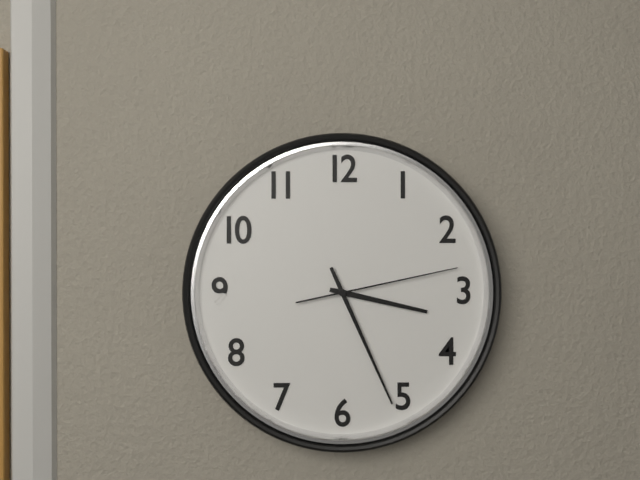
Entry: **3:26:13**
